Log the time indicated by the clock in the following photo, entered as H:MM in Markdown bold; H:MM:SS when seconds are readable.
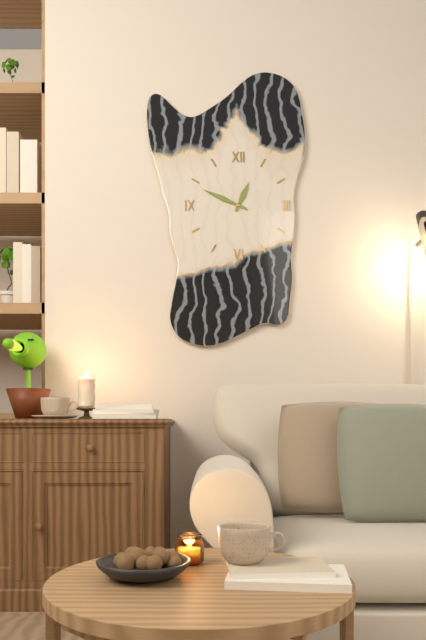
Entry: **12:49**
